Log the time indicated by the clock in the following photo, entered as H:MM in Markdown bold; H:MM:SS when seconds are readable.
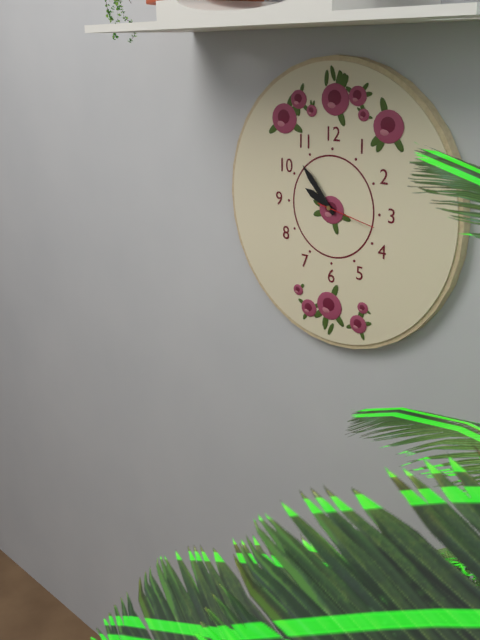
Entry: **9:53:17**
